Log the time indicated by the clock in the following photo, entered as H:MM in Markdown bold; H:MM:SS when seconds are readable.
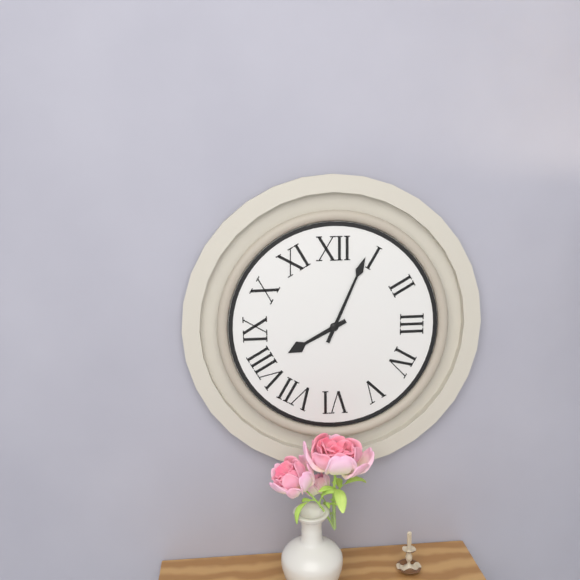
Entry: **8:04**
